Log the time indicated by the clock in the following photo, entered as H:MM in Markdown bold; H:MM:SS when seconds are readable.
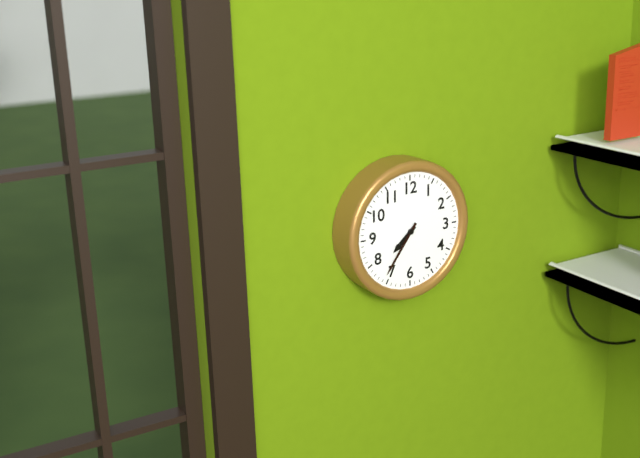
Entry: **7:36**
